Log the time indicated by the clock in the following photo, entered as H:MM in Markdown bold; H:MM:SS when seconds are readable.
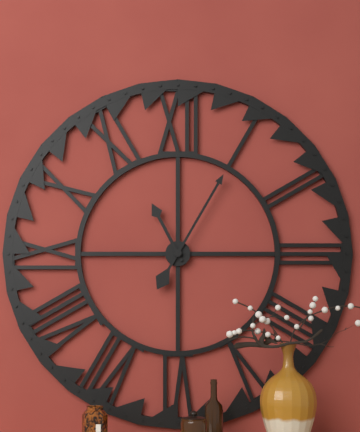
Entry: **11:05**
